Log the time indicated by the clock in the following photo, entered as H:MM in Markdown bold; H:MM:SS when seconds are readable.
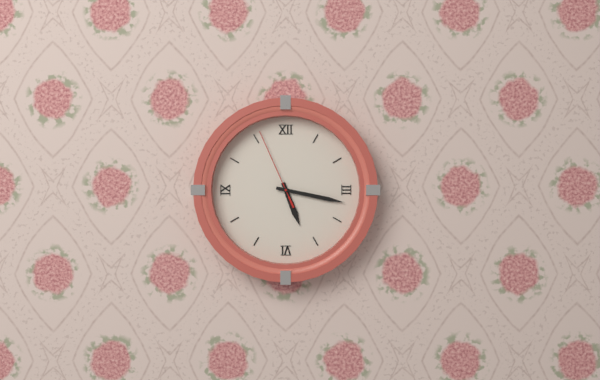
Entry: **5:17:56**
